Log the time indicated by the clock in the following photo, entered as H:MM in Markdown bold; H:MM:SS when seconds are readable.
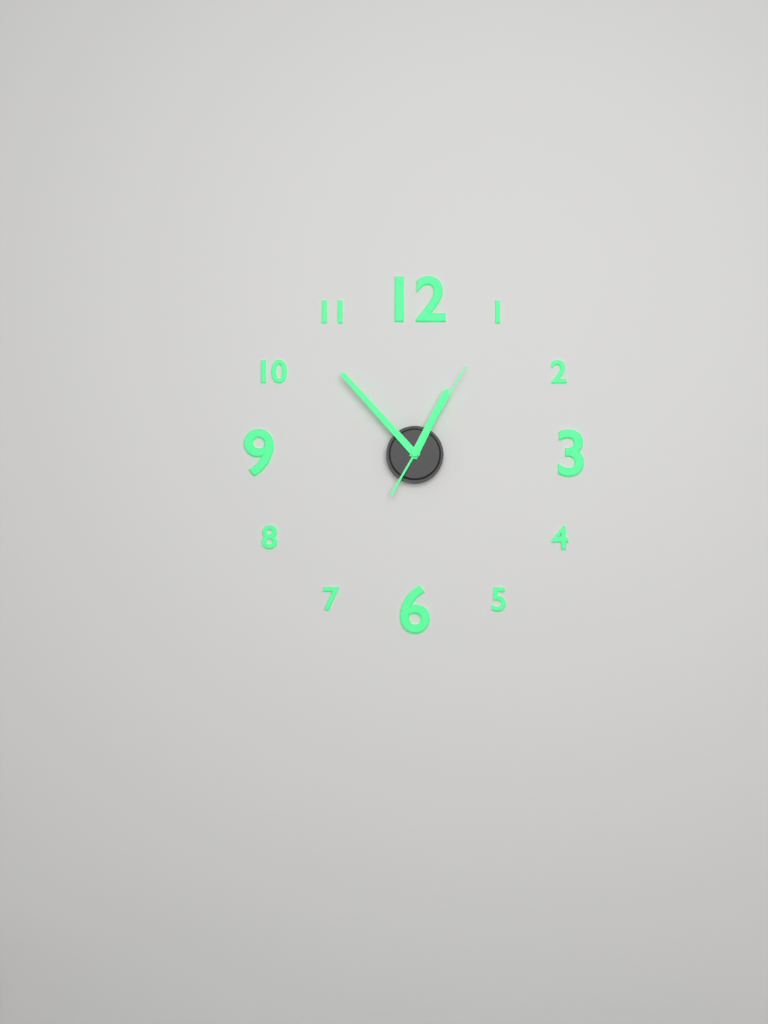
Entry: **12:53:05**
